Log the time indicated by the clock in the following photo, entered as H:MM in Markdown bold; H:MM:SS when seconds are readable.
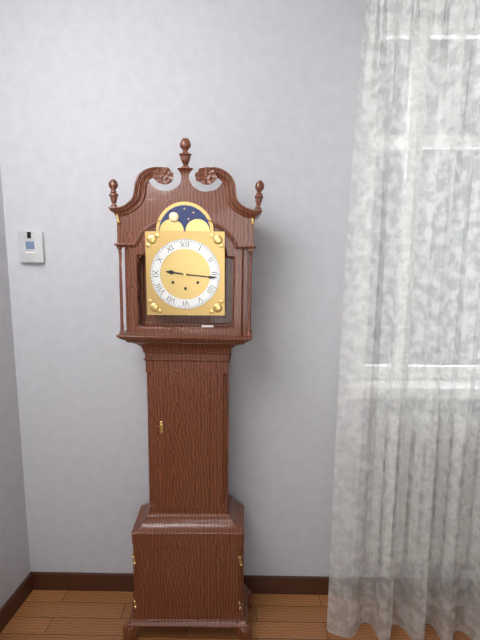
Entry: **9:16**
